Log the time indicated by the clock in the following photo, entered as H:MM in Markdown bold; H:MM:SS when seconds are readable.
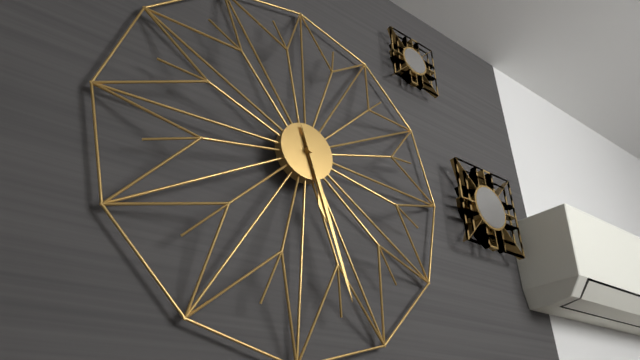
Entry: **5:27**
